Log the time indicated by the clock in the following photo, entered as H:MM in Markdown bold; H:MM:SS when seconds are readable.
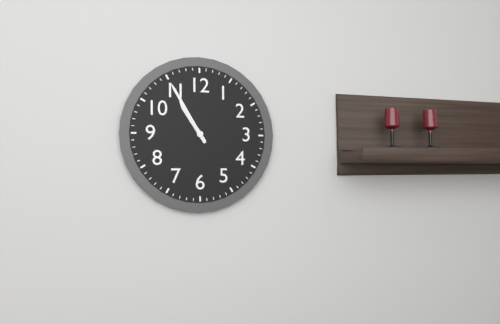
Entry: **10:55**
